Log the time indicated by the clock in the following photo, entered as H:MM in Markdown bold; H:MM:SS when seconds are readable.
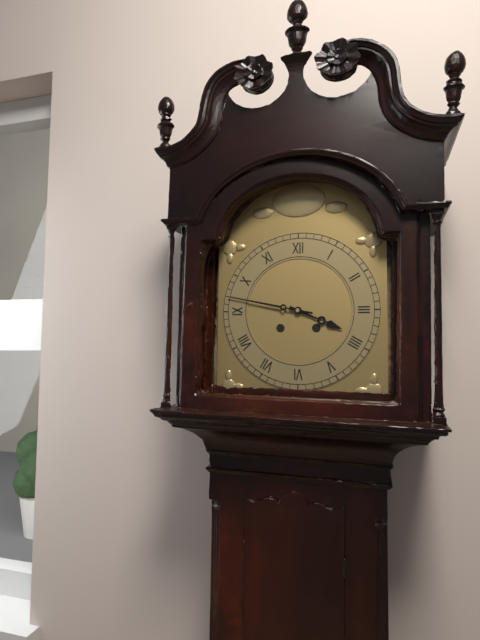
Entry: **3:47**
